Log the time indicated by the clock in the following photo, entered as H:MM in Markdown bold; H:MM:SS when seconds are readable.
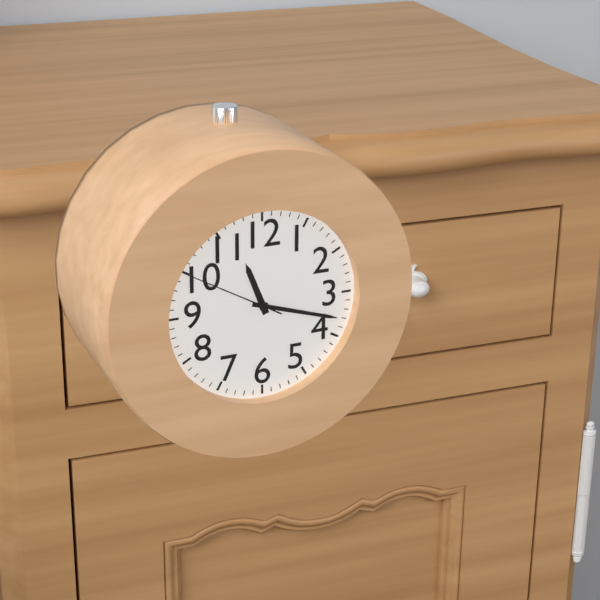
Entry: **11:18:50**
